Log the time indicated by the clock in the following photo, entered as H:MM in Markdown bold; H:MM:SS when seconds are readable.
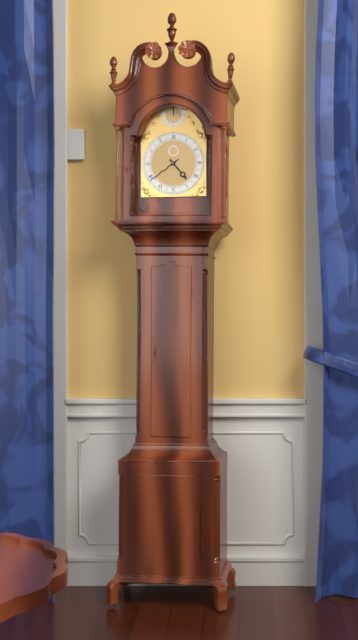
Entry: **4:39**
